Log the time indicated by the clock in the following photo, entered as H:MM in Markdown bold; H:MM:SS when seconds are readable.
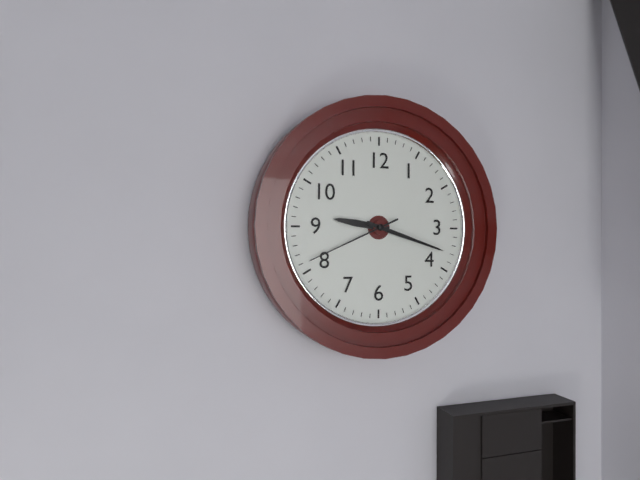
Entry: **9:18:41**
